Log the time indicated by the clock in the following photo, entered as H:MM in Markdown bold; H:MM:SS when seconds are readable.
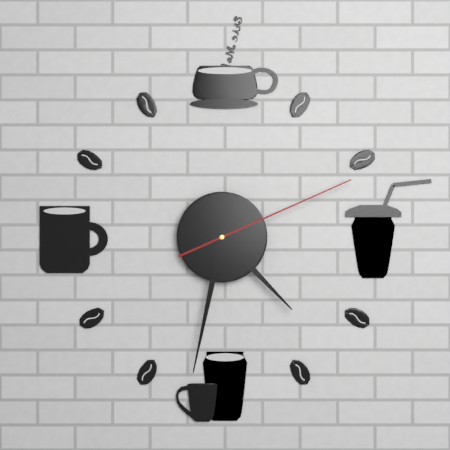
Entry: **4:32:11**
